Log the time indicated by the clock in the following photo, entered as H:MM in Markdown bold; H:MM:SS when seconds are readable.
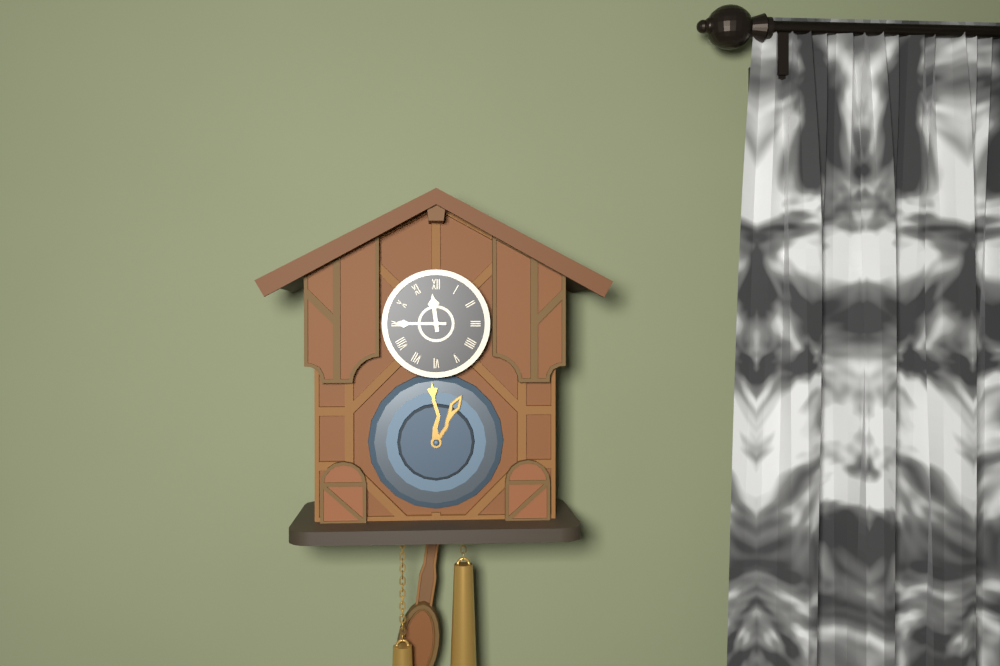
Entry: **11:45**
